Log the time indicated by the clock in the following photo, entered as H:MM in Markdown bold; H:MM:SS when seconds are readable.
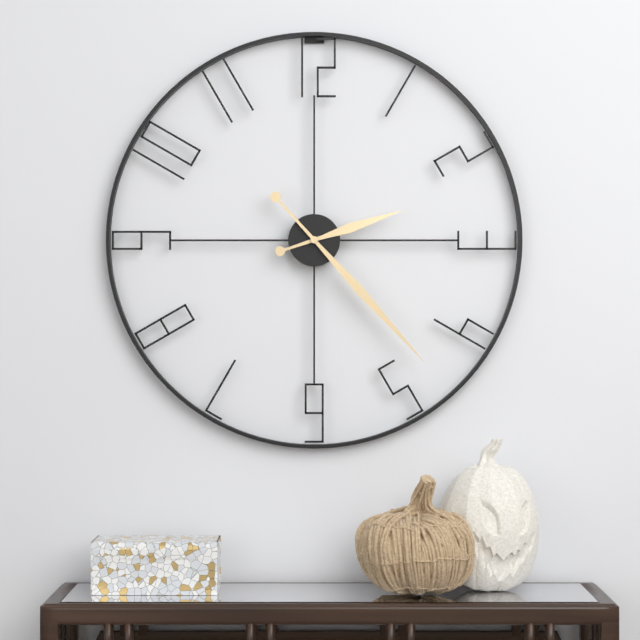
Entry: **2:23**
